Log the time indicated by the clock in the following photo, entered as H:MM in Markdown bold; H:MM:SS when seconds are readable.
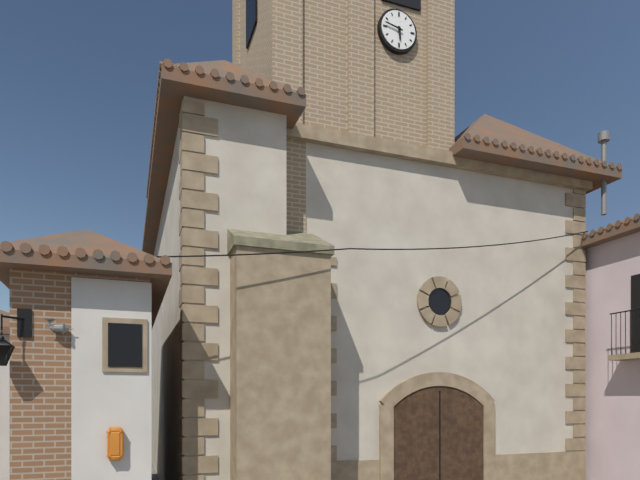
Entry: **5:47**
